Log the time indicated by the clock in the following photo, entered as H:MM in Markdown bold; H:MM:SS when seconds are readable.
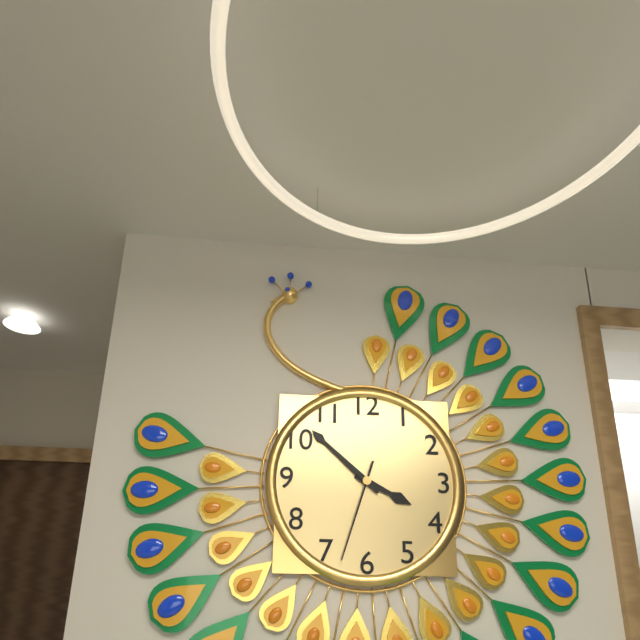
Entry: **3:52:33**
